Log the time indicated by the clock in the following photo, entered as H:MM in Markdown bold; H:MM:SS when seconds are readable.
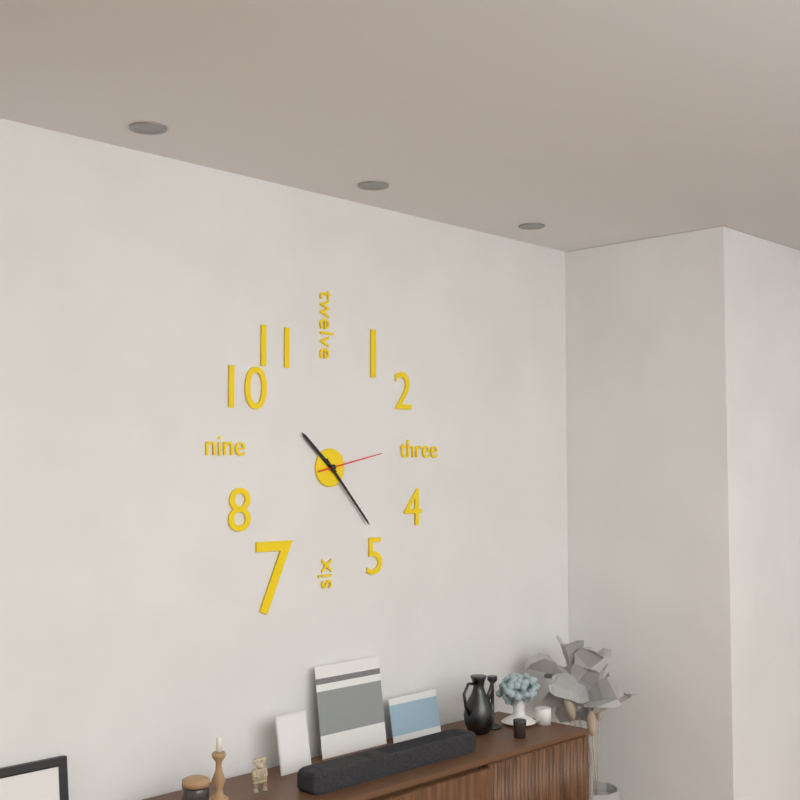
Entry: **10:23:13**
